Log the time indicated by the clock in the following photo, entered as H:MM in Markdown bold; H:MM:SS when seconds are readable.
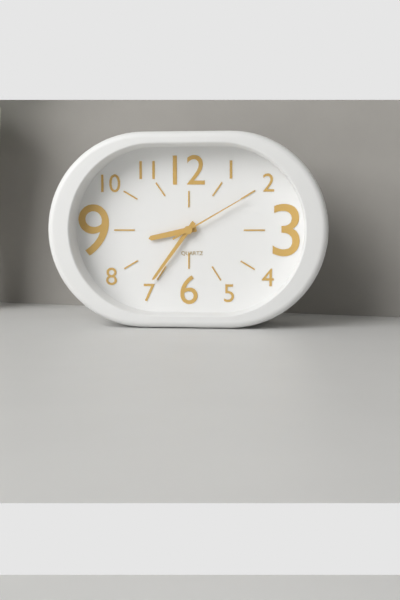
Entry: **8:36:10**
